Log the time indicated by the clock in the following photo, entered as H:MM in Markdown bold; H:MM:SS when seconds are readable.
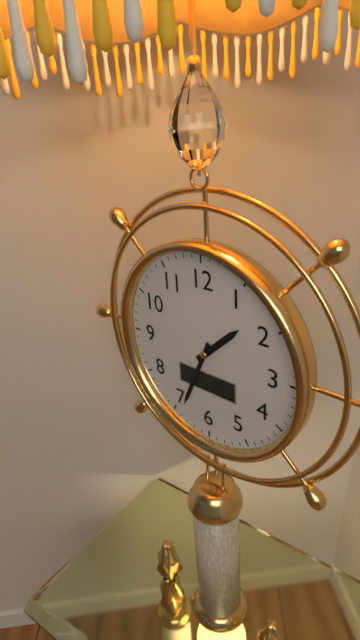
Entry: **1:34**
